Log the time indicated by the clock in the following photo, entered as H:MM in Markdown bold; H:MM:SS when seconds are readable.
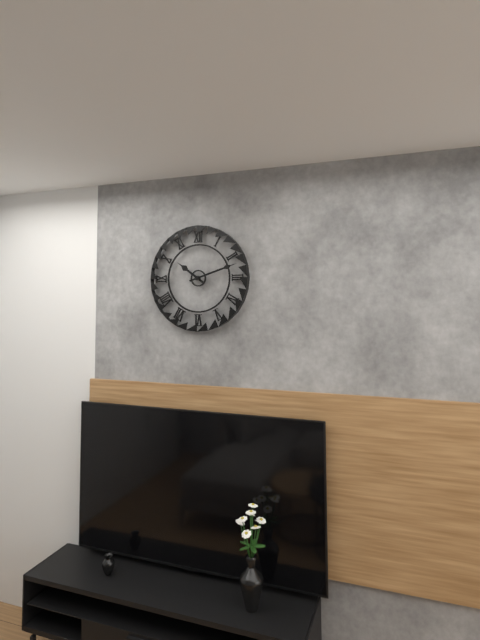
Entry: **10:12**
